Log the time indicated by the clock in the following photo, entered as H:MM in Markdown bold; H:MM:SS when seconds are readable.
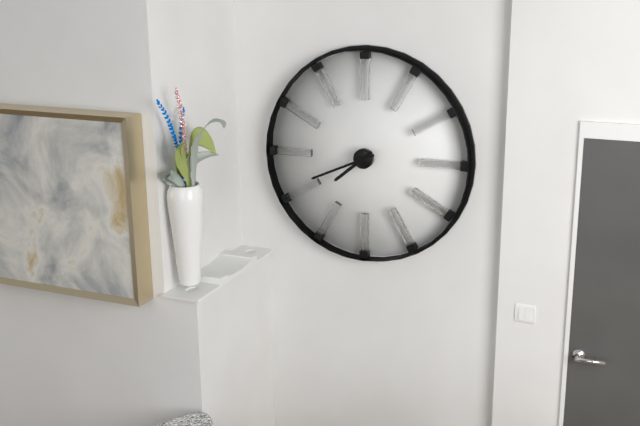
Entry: **7:41**
